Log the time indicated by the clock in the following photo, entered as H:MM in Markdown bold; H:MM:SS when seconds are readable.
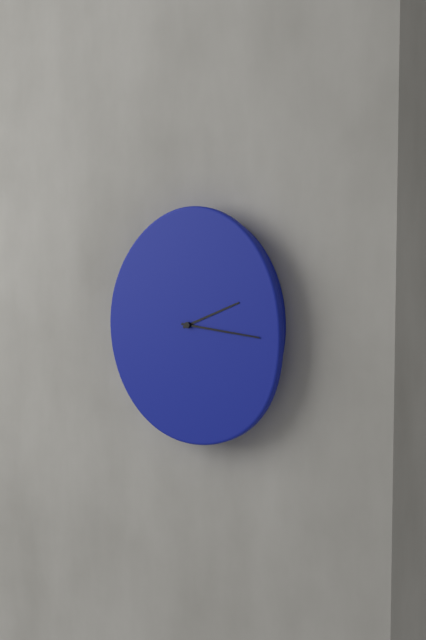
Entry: **2:16**
